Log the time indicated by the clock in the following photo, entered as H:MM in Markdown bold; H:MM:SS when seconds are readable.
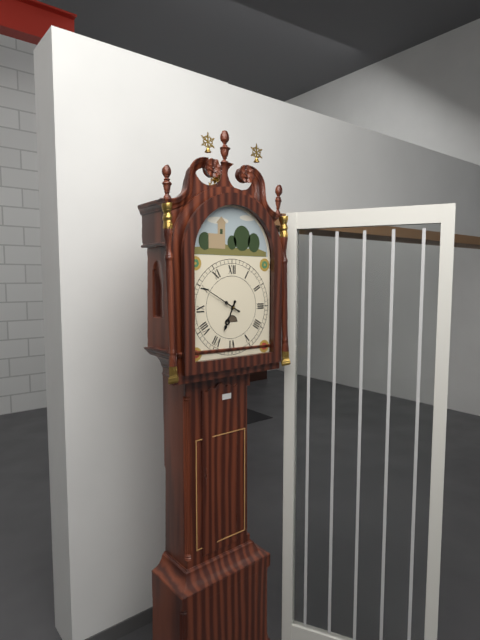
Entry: **6:50**
